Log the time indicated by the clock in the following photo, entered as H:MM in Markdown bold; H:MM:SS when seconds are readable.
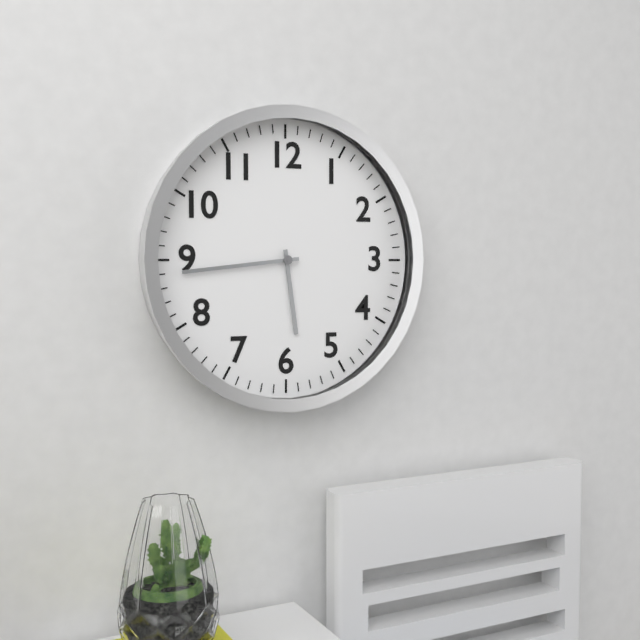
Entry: **5:44**
